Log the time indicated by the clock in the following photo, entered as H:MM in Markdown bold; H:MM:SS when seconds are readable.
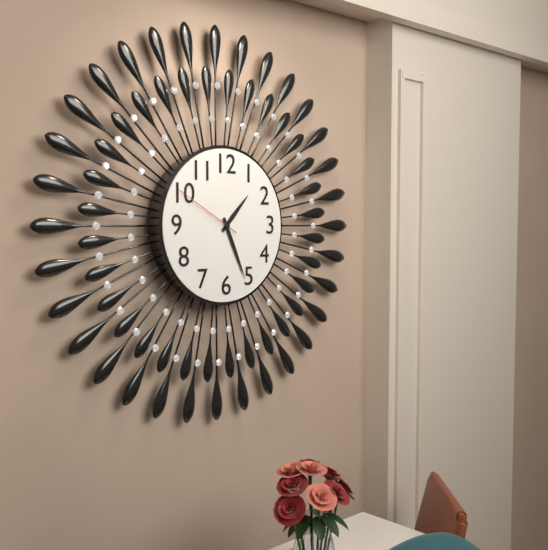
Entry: **1:26:50**
